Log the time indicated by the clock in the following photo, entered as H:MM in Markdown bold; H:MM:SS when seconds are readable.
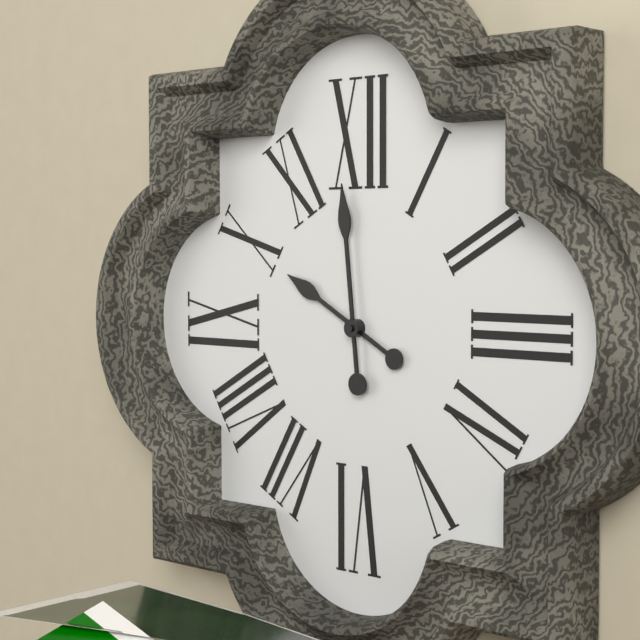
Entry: **9:59**
